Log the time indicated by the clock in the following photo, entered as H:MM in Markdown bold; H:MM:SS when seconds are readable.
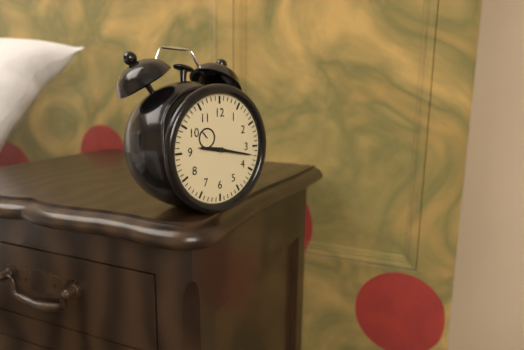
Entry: **9:17**
